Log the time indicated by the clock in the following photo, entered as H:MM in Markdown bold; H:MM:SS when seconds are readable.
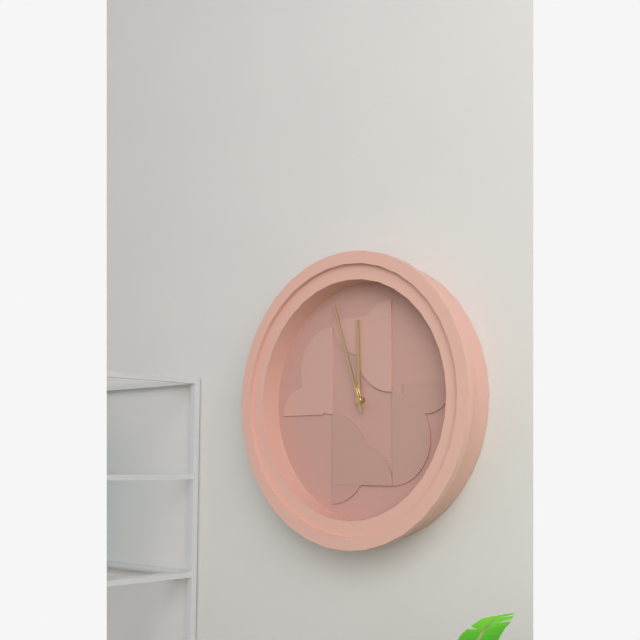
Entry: **11:57**
